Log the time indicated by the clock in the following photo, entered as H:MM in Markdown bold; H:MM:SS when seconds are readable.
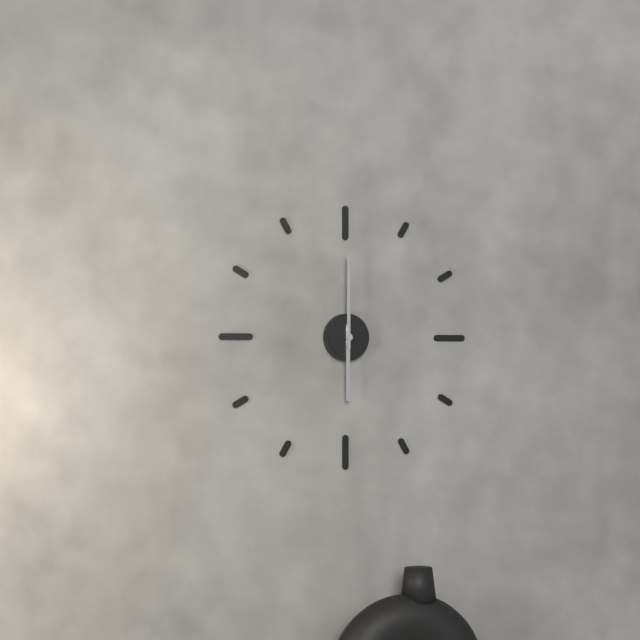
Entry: **6:00**
